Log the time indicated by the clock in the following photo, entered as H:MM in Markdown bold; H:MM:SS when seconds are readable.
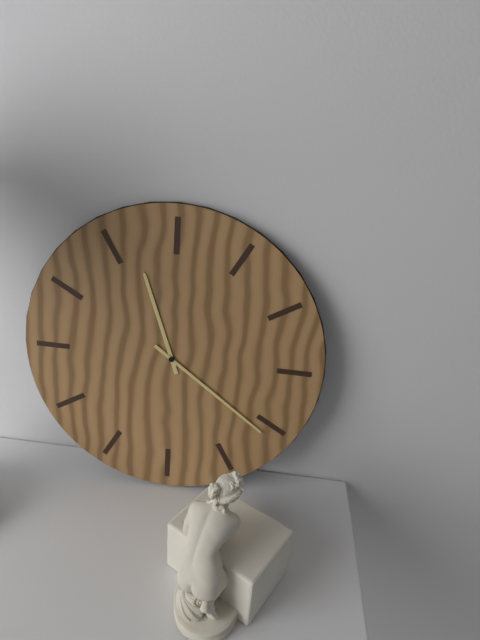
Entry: **11:21**
